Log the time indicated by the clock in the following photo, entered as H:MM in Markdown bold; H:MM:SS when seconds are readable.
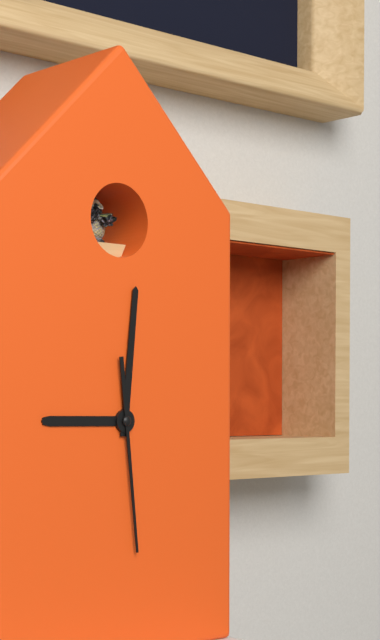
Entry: **9:01:29**
